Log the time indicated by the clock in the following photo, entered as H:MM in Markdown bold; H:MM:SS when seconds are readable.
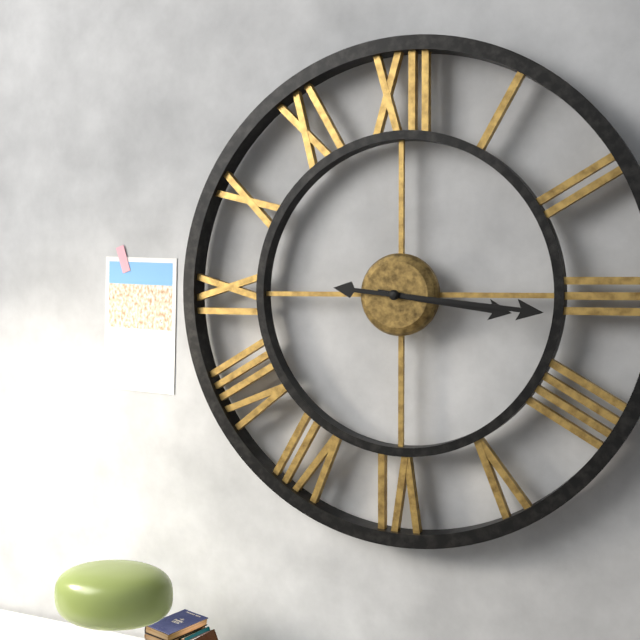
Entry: **3:16**
